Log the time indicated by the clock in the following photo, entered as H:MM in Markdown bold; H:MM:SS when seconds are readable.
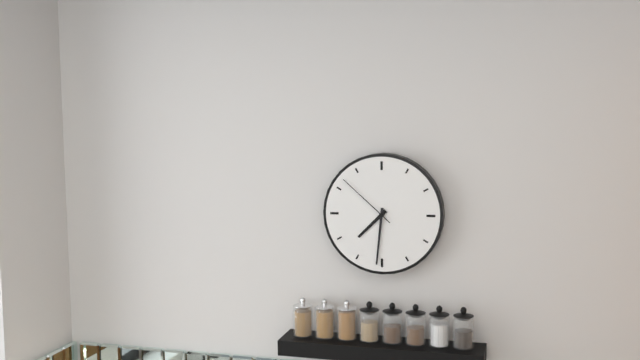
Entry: **7:31:52**
